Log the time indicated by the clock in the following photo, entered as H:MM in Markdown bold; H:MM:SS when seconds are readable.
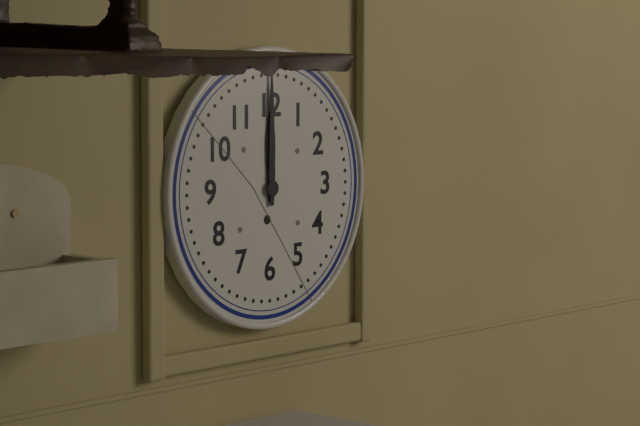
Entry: **12:00**
